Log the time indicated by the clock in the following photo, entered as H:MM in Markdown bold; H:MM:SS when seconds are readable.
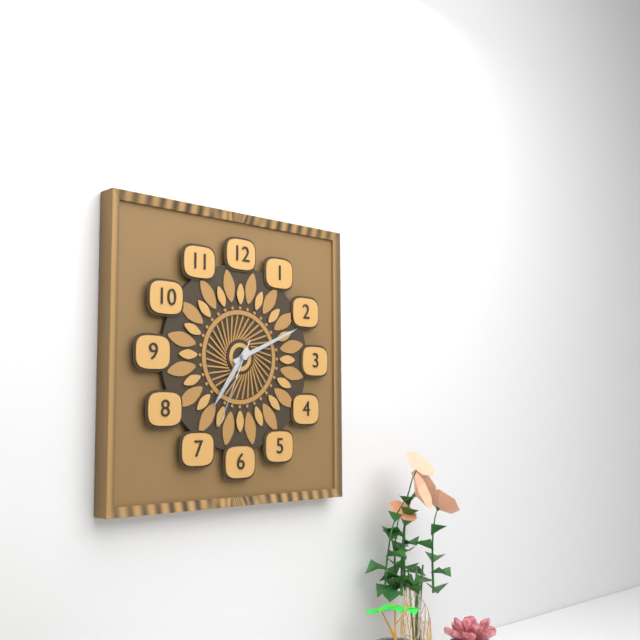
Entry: **7:11:34**
